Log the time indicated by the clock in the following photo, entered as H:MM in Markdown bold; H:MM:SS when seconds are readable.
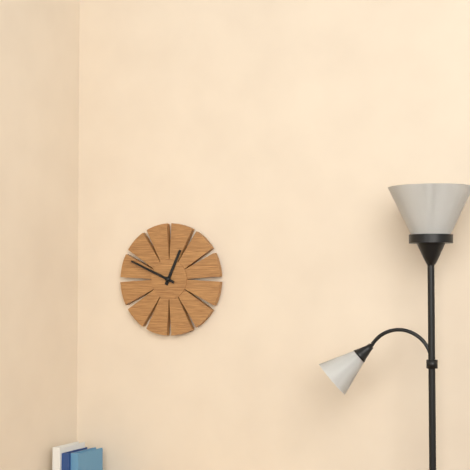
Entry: **12:49**
